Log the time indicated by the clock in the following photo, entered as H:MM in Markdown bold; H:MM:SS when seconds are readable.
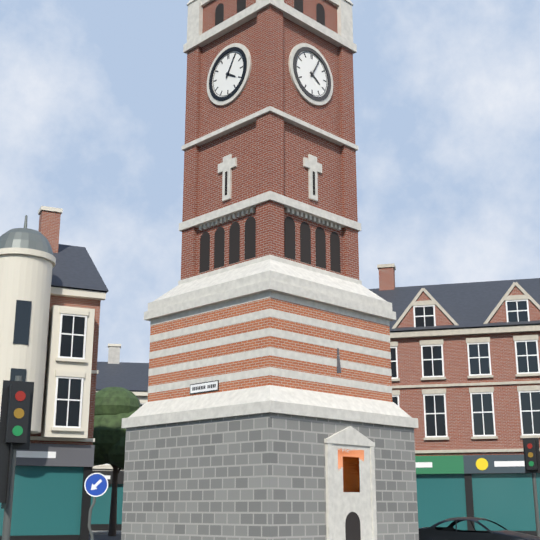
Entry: **4:05**
